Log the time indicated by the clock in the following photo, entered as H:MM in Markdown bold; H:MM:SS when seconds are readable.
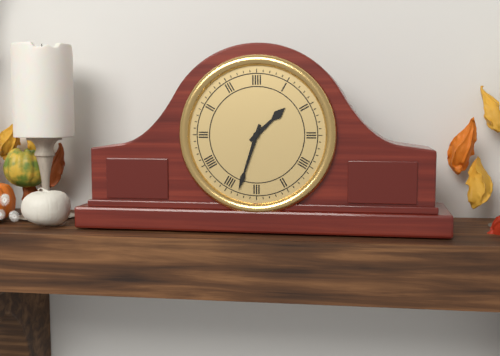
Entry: **1:33**
